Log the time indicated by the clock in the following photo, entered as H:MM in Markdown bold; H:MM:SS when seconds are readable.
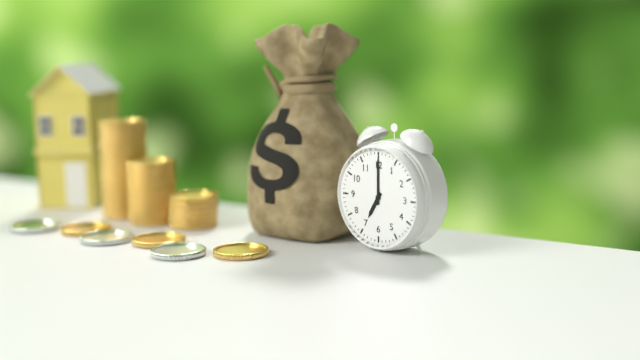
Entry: **7:00**
